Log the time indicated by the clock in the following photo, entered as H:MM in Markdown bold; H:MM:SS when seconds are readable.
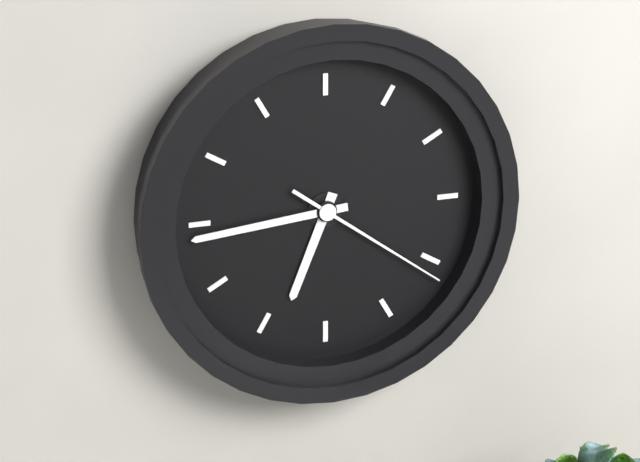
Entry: **6:44:21**
